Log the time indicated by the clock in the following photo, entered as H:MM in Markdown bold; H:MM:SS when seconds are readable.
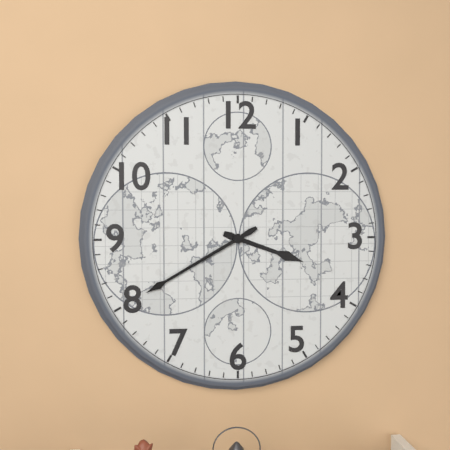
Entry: **3:40**
